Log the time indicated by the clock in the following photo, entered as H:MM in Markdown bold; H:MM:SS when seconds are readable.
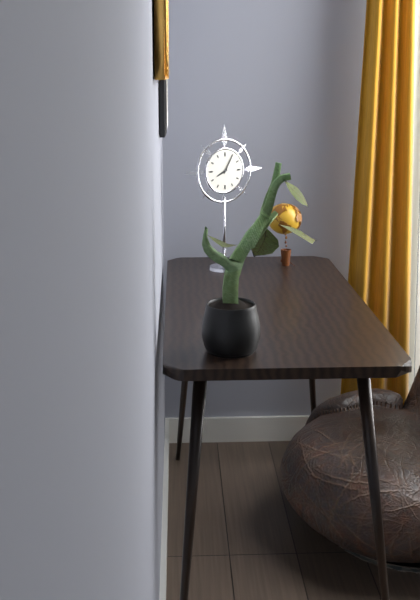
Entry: **8:05**
